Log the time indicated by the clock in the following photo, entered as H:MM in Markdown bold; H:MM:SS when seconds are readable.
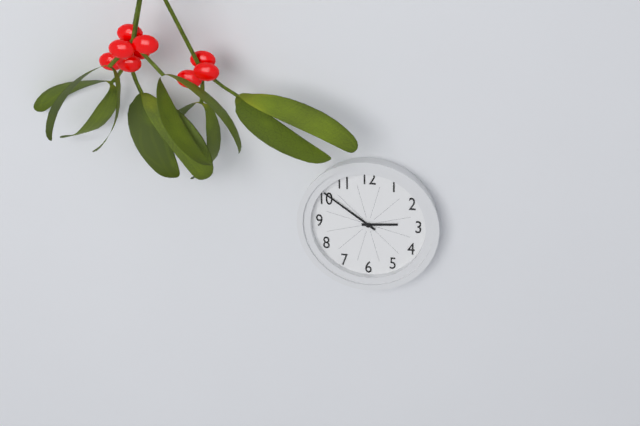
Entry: **2:51**
